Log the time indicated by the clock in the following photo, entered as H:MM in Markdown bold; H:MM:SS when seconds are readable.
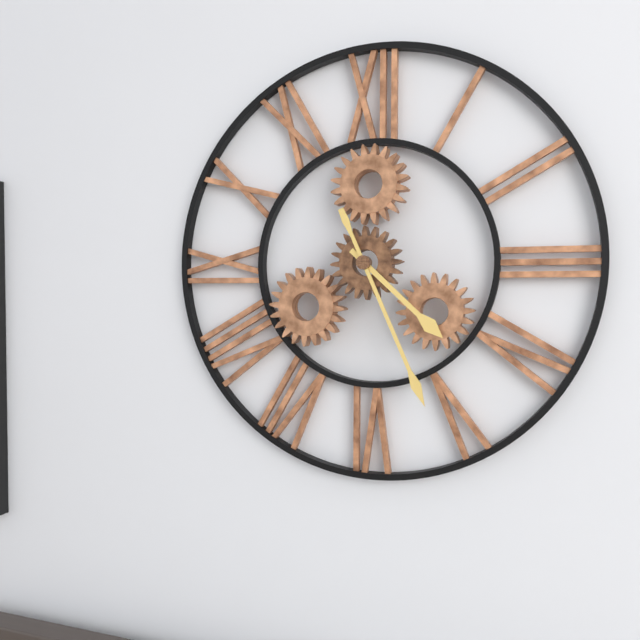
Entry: **4:26**
